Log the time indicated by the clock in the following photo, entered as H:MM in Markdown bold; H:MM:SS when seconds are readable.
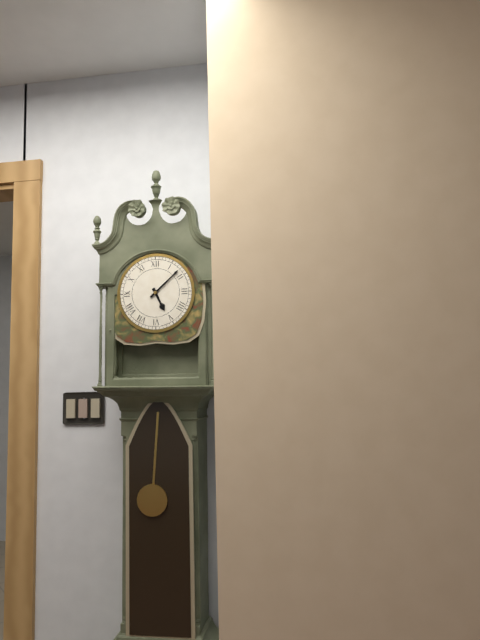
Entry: **5:08**
